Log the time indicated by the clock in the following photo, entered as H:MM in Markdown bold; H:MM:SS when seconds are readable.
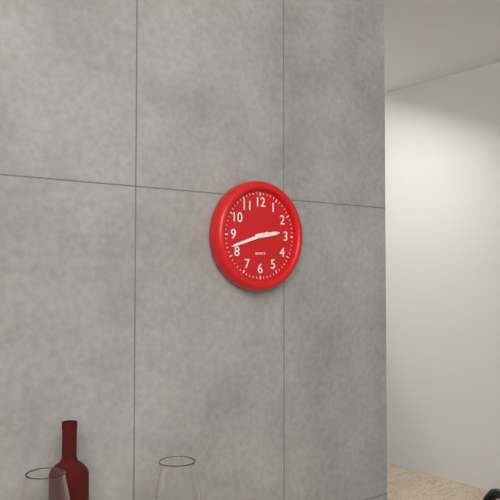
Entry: **2:42**
